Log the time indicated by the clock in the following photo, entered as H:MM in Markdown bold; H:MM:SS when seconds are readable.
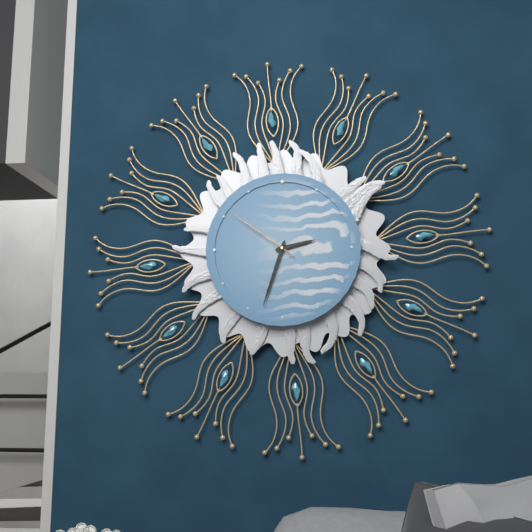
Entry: **2:33:51**
